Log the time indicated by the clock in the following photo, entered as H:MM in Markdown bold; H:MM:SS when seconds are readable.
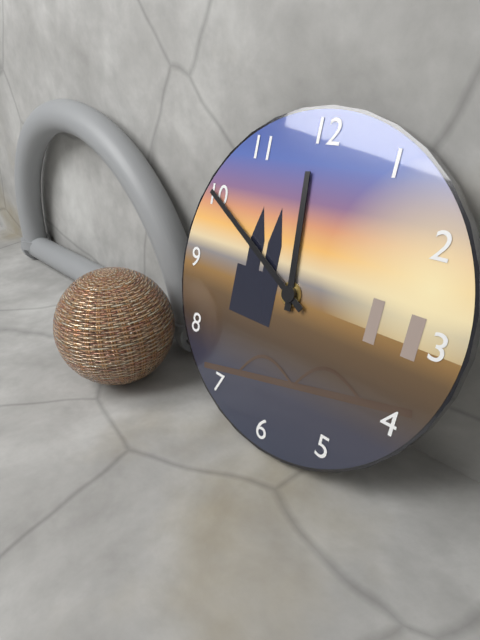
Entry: **11:50**
